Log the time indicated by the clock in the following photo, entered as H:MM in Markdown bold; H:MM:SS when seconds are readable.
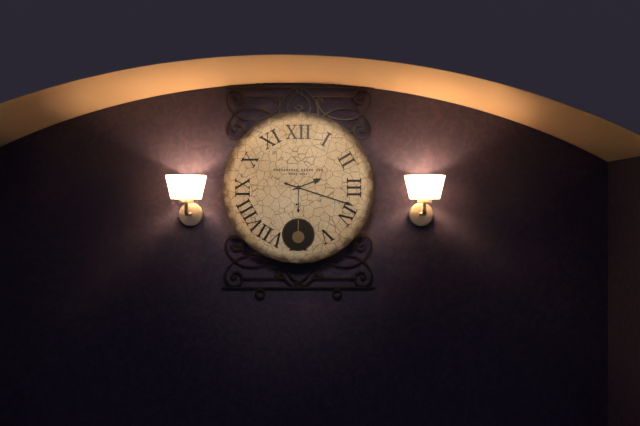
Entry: **2:18**
